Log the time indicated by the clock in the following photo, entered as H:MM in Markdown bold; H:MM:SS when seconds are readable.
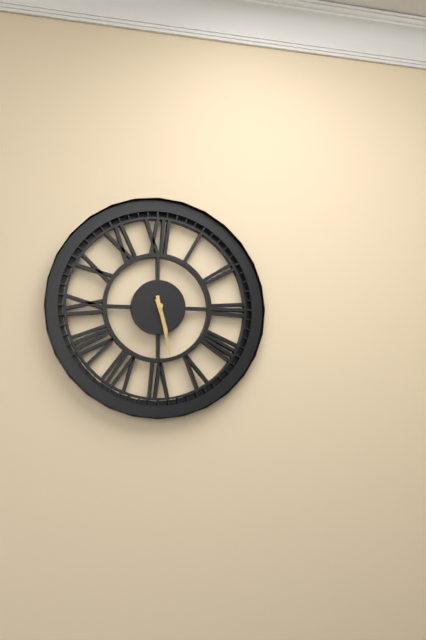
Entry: **5:28**
